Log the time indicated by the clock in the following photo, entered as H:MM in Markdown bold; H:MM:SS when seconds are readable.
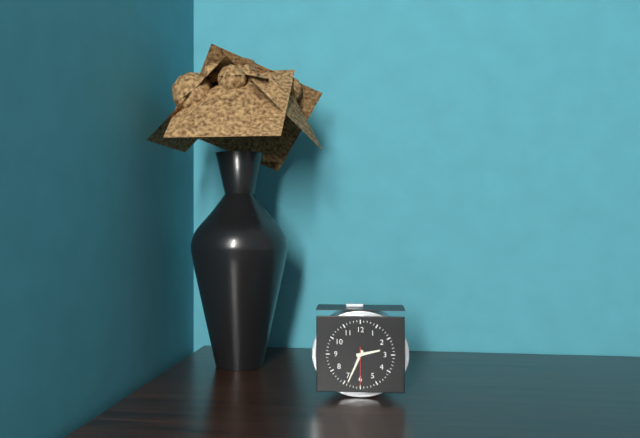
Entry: **2:34**
